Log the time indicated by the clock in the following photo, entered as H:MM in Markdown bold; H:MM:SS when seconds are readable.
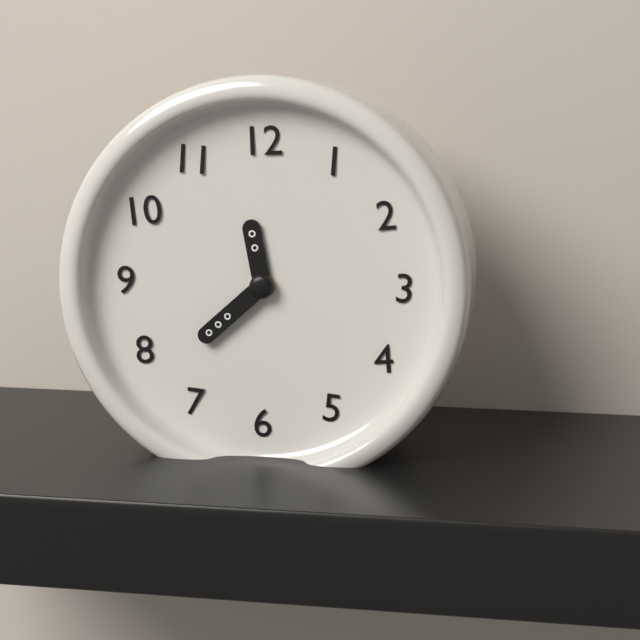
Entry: **11:38**
